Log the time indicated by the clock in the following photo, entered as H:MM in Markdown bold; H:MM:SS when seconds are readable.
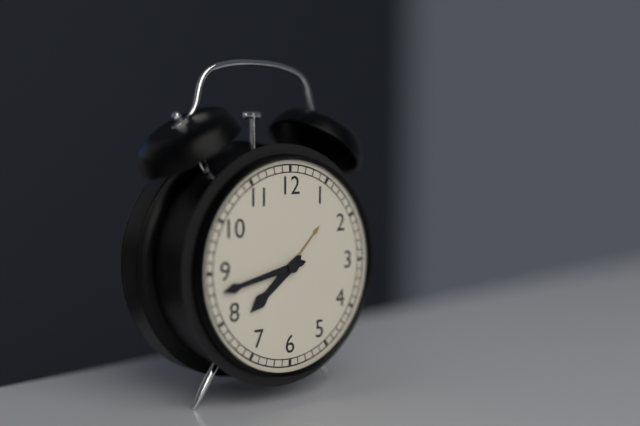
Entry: **7:43**
